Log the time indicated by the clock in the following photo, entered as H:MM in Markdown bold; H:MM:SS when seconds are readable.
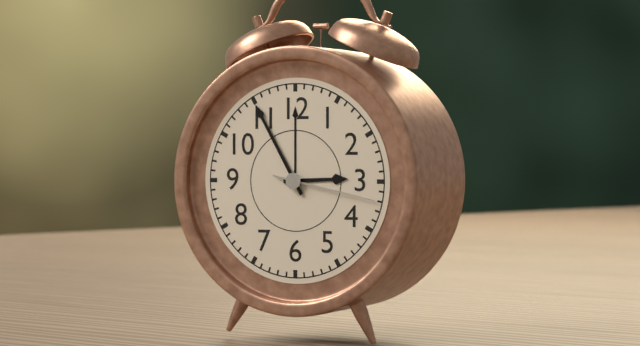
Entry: **2:55:17**
